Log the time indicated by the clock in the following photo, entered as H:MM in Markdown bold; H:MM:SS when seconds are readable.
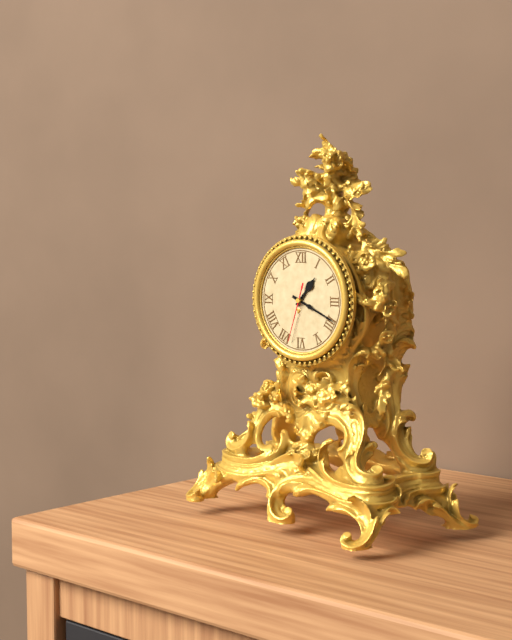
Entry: **1:19:33**
